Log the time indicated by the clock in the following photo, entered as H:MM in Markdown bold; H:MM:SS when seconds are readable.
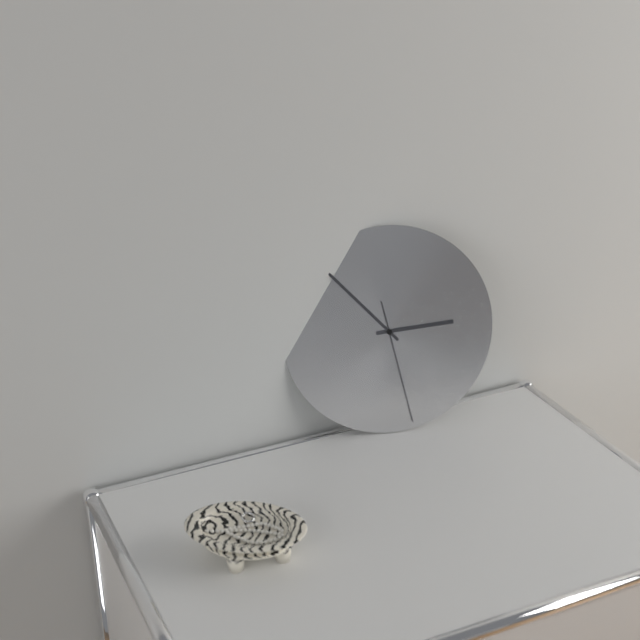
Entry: **2:53:28**
